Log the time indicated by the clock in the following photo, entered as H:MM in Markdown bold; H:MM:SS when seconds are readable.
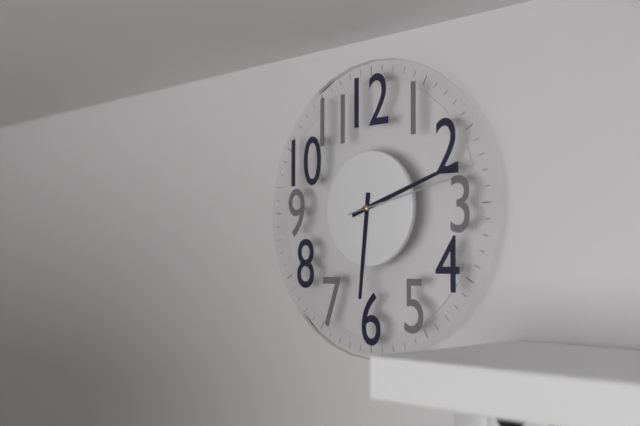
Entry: **6:12:13**
